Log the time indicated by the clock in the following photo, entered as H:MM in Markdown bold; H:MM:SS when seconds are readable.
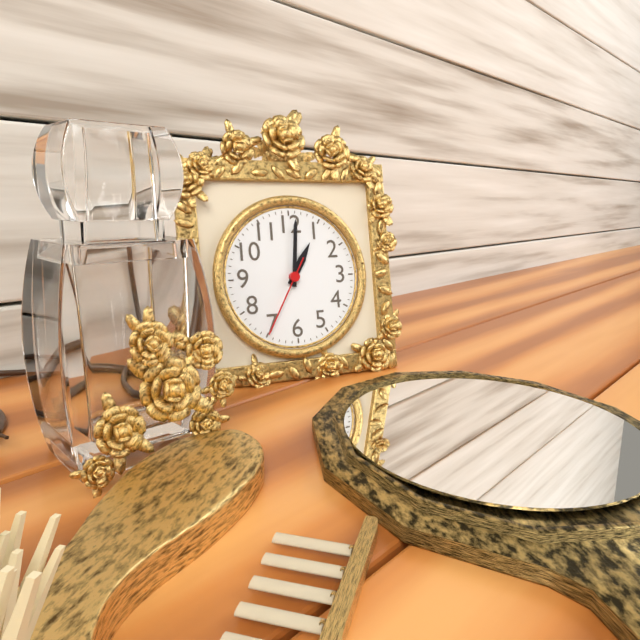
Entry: **1:01:35**
